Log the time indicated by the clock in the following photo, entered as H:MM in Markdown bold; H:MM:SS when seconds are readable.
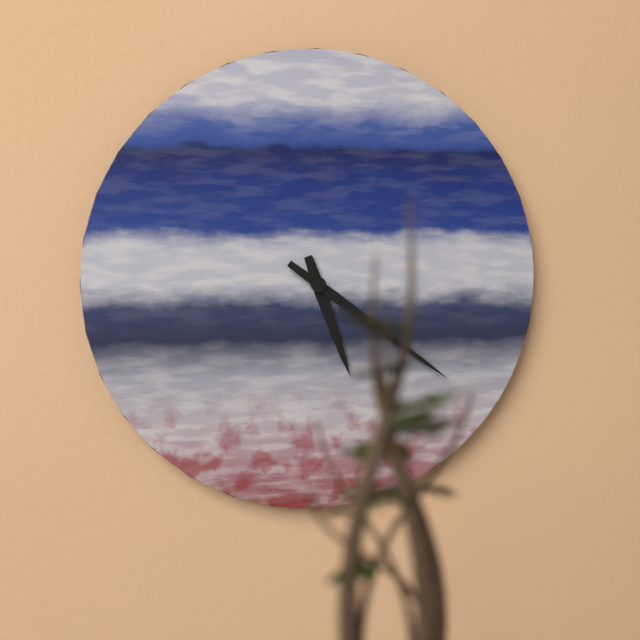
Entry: **5:21**
